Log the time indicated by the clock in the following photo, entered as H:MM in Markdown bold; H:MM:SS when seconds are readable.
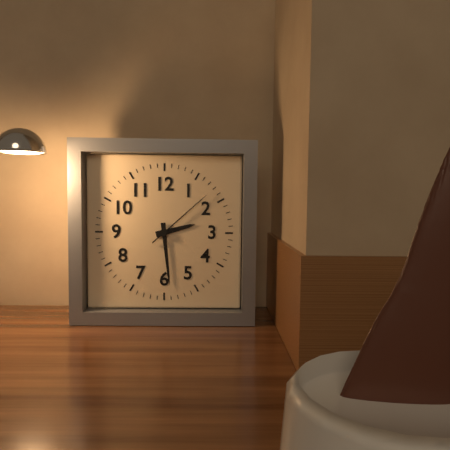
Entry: **2:29:08**
